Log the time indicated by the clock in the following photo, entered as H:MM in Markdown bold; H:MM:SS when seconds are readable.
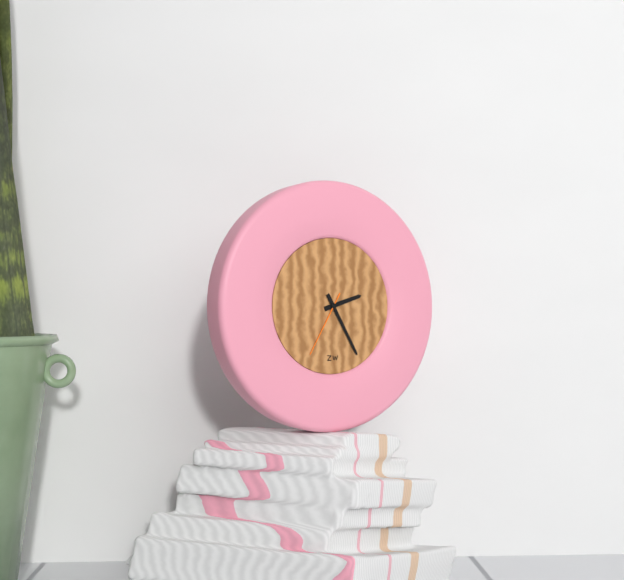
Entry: **2:25:35**
